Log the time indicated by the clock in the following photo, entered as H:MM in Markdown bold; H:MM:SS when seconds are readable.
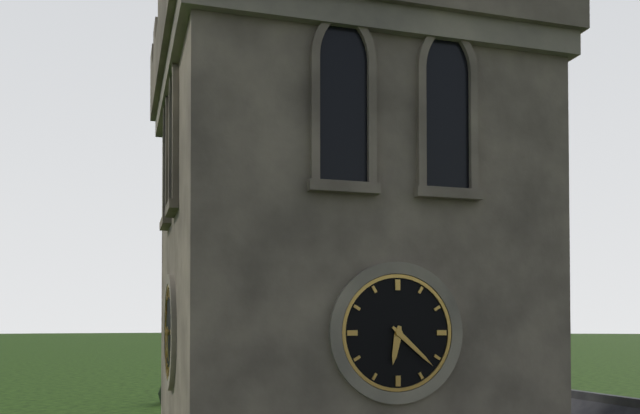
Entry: **6:22**
